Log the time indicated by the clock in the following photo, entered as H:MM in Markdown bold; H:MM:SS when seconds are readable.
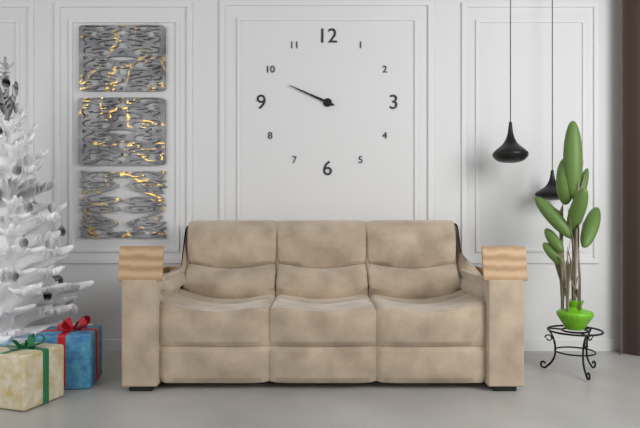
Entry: **9:49**
